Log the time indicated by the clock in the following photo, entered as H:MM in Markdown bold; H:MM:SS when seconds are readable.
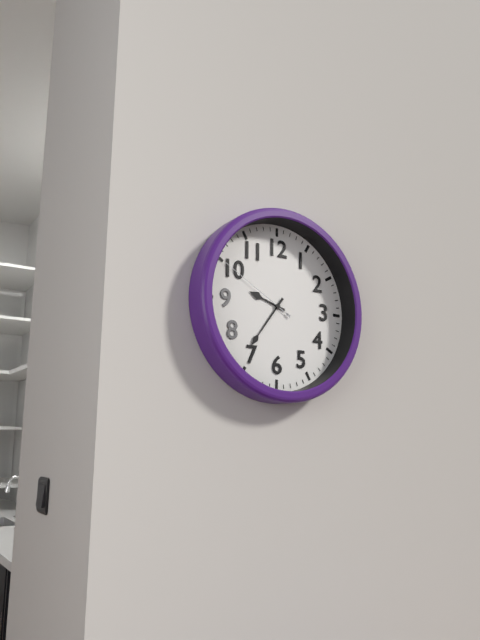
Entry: **9:36:50**
